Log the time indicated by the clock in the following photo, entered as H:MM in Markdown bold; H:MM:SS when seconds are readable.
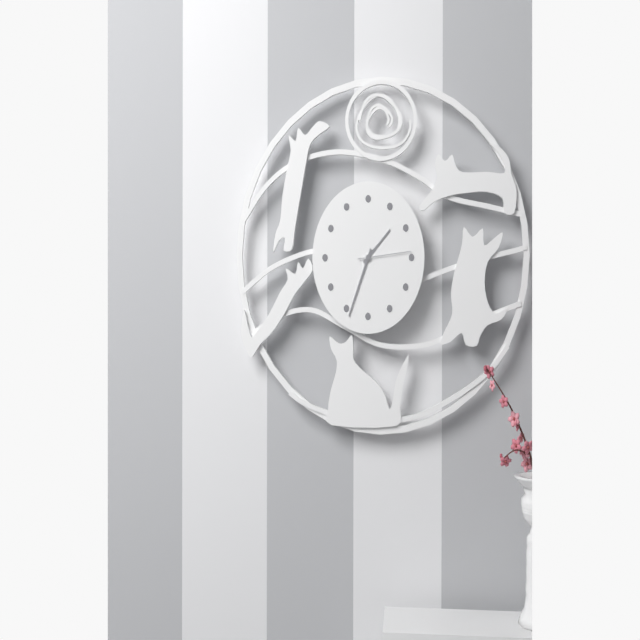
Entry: **1:34:14**
